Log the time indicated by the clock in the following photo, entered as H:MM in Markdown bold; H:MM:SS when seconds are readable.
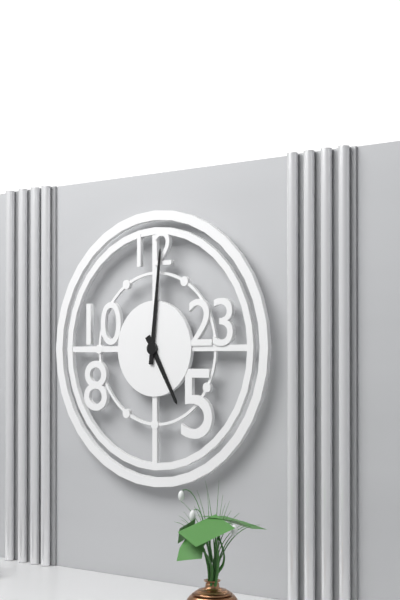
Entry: **5:01**
